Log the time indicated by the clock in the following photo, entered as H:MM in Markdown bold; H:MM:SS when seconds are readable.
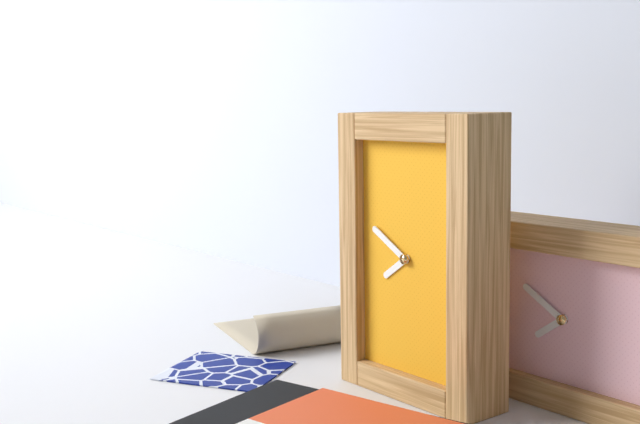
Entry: **7:50**
